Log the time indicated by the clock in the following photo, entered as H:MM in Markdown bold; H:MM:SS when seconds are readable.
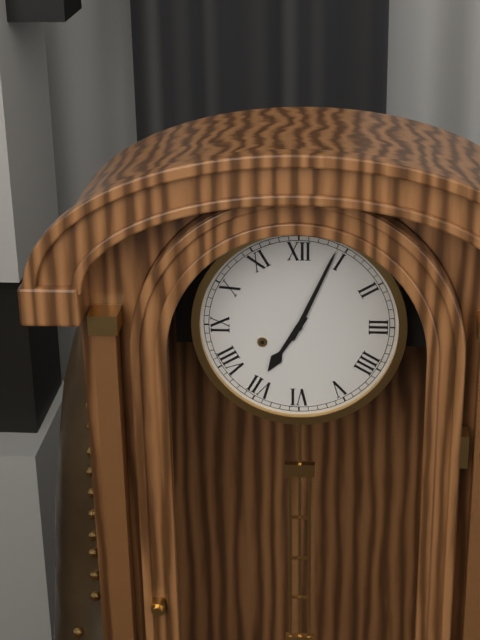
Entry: **7:04**
